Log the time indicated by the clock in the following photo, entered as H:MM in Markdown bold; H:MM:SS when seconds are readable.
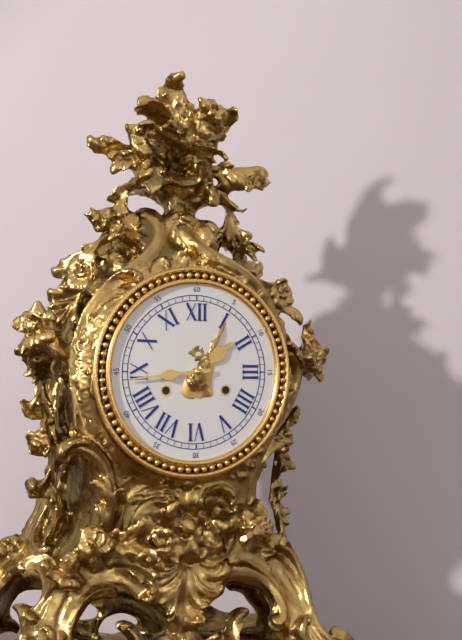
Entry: **1:44**
